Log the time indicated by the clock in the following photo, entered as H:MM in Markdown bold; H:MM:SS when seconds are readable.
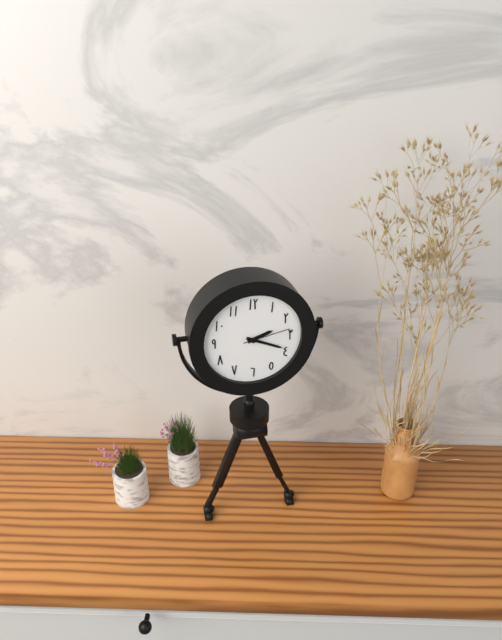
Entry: **2:19**
